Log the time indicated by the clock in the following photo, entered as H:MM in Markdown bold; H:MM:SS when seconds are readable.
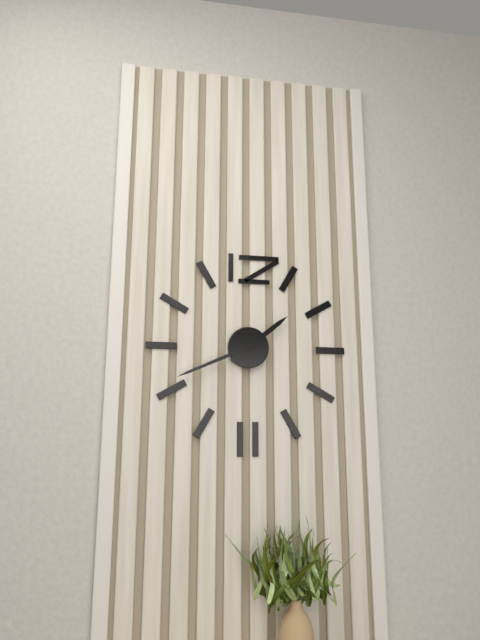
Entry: **1:41**
